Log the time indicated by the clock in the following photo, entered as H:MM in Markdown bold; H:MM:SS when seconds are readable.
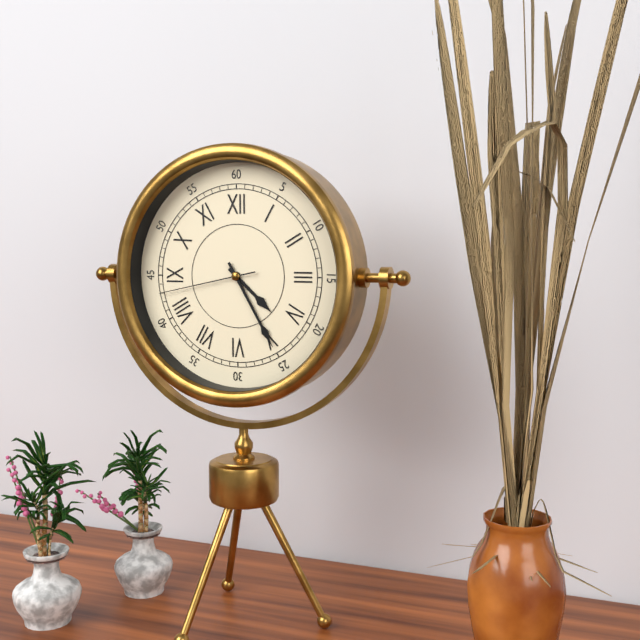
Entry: **4:25:43**
